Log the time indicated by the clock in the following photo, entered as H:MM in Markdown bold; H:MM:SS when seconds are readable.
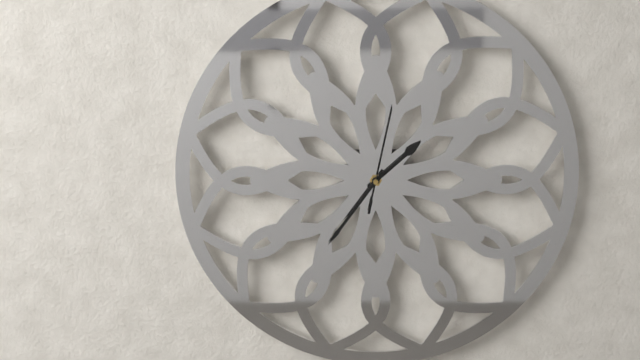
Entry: **1:36:02**
